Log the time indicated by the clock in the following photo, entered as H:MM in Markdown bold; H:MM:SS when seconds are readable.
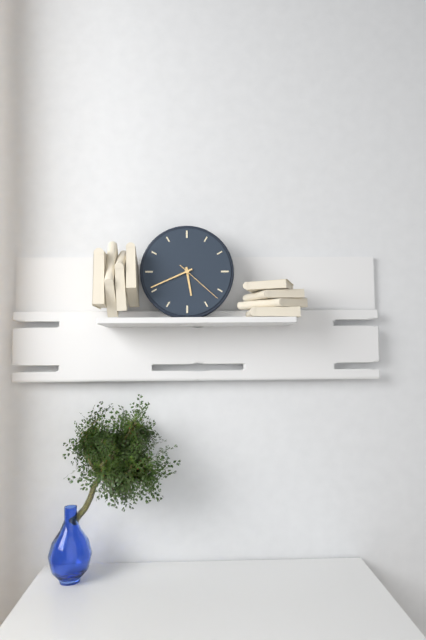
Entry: **5:41:22**
